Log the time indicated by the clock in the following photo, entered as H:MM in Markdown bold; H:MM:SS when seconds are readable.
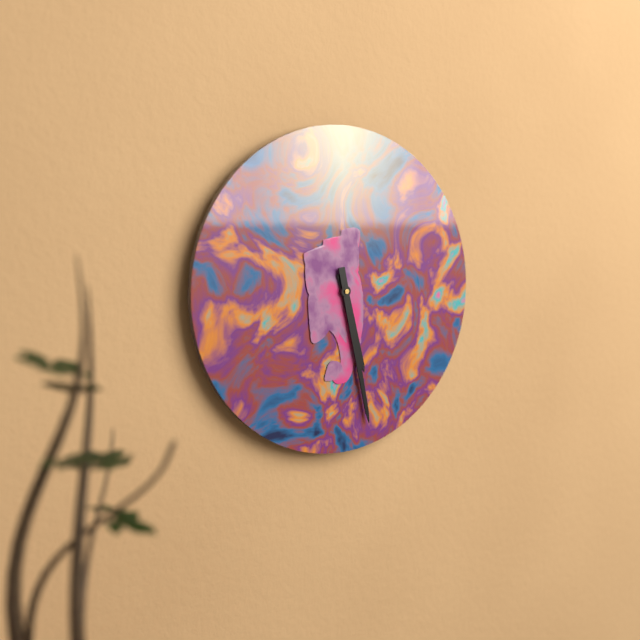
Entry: **5:28**
